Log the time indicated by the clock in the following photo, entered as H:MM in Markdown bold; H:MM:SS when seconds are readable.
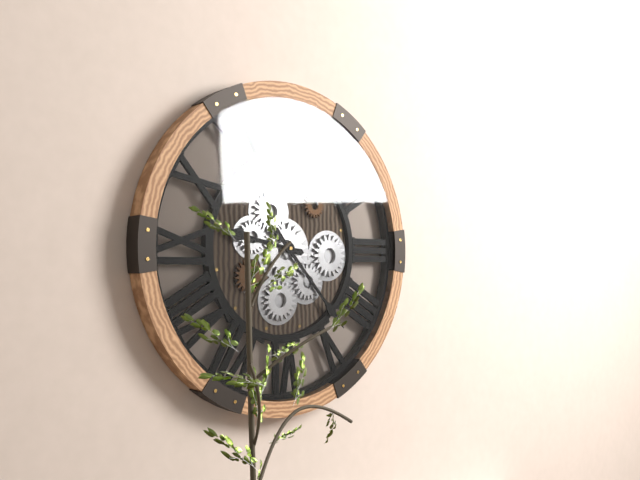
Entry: **9:23**
